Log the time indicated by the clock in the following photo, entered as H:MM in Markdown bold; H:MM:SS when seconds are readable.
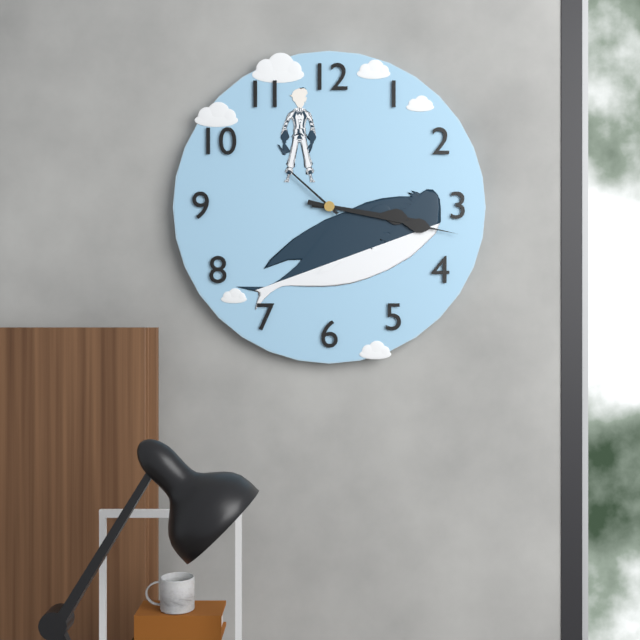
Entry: **3:17:52**
